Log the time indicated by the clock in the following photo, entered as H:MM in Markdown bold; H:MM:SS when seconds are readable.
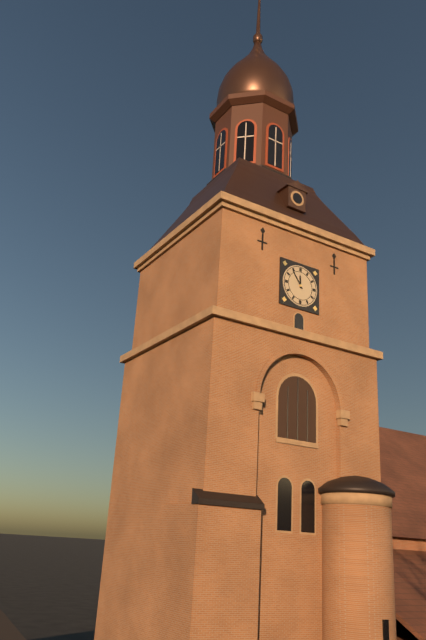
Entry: **11:54**
